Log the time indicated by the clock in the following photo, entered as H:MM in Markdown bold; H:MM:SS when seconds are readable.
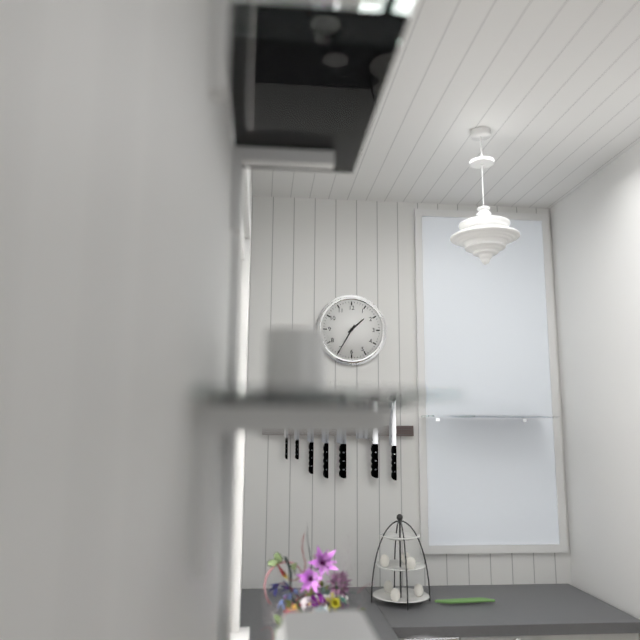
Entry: **1:35**
